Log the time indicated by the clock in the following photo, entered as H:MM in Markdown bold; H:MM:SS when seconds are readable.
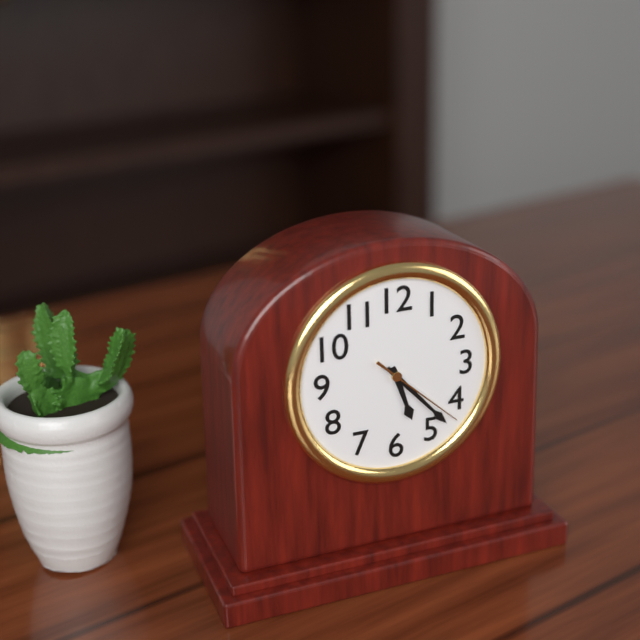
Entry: **5:23:22**
